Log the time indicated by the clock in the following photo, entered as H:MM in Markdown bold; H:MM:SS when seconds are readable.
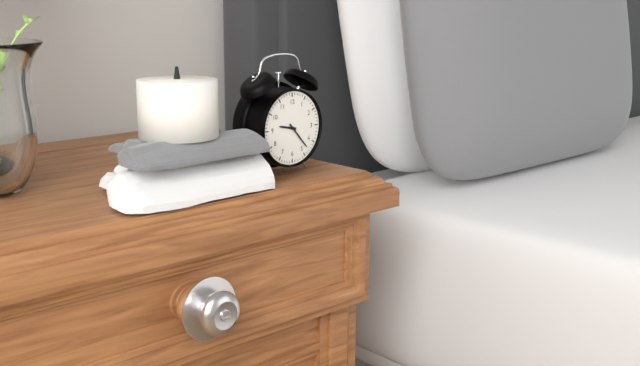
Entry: **9:23**
